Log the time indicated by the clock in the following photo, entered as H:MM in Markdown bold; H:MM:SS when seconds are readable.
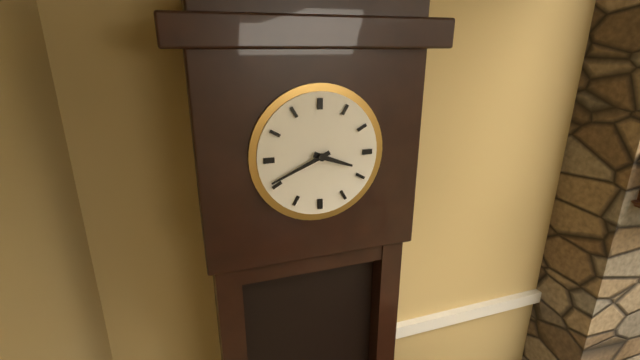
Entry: **3:41**
